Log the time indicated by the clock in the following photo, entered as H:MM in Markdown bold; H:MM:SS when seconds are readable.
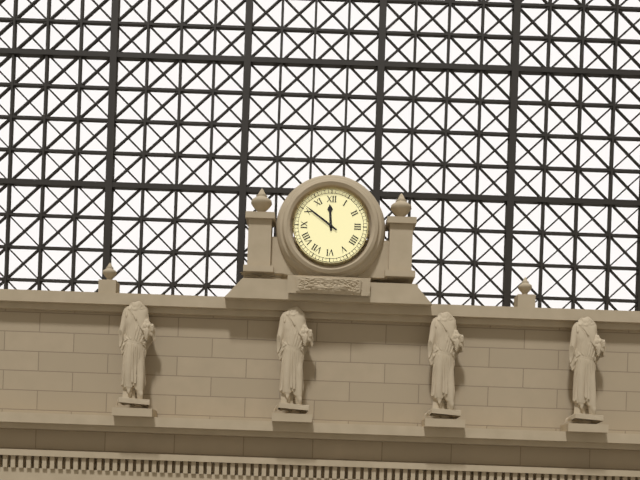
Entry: **11:51**
